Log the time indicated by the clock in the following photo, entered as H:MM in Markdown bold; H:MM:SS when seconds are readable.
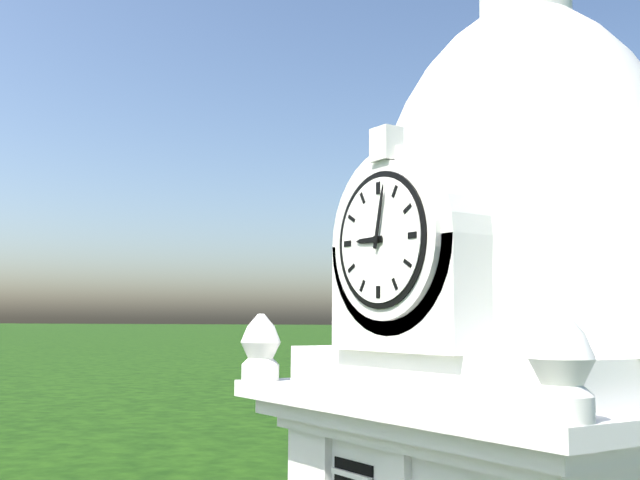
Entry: **9:02**
